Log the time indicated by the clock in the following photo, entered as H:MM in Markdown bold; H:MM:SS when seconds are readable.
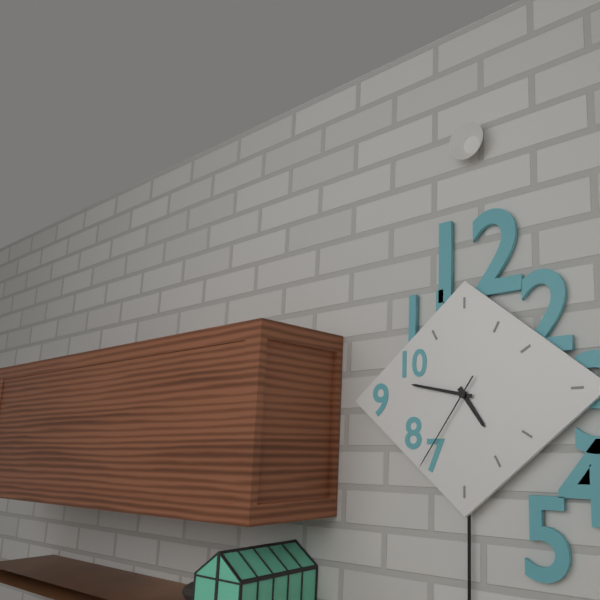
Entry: **4:47:36**
